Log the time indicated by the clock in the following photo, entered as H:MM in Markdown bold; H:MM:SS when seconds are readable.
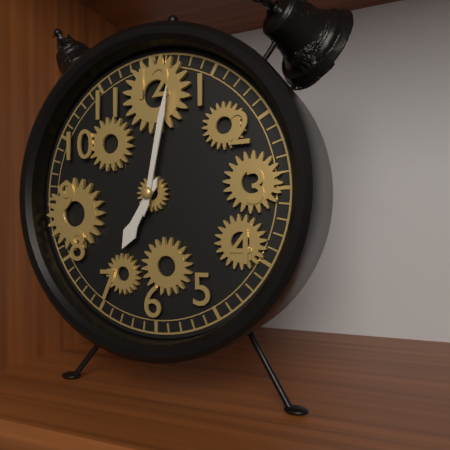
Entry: **7:02**
